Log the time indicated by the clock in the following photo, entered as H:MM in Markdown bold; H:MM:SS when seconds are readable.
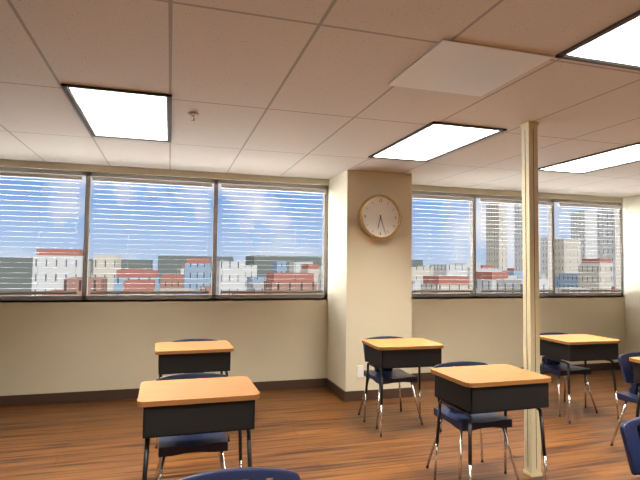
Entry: **6:27**
